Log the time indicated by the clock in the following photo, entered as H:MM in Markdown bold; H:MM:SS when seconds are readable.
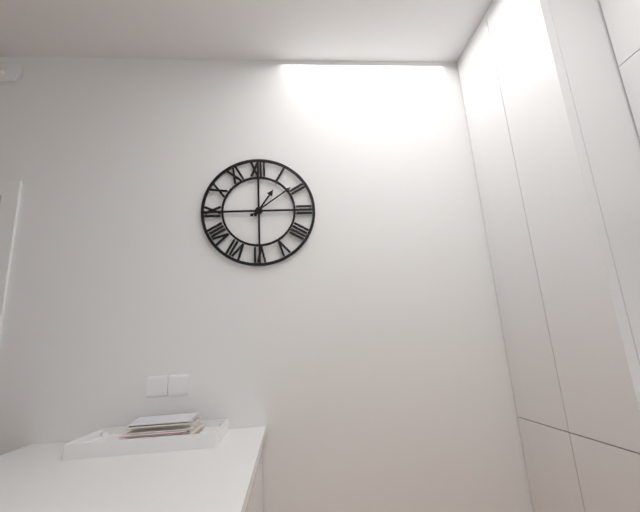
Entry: **1:09**
